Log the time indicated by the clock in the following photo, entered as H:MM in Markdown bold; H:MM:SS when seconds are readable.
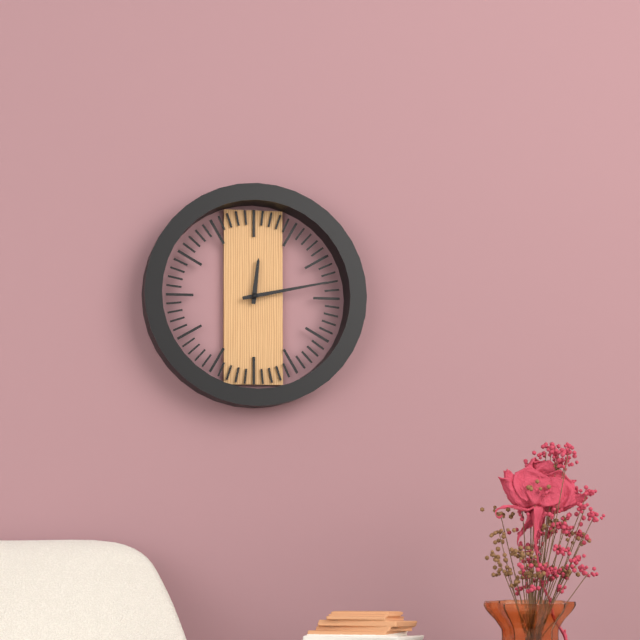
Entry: **12:13**
